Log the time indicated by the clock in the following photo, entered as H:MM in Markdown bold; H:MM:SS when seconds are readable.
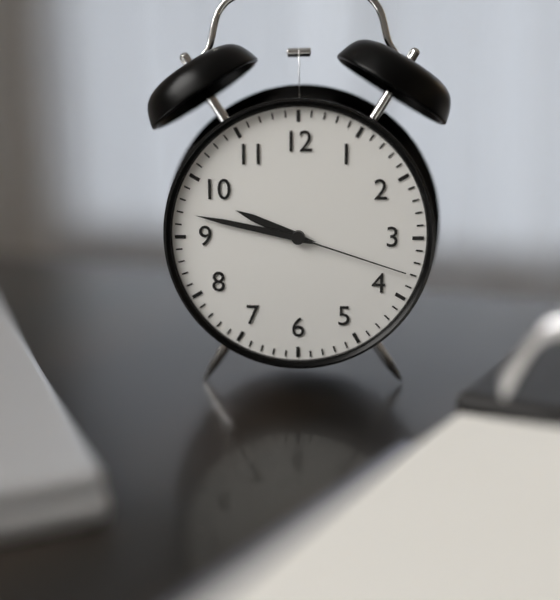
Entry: **9:47:18**
